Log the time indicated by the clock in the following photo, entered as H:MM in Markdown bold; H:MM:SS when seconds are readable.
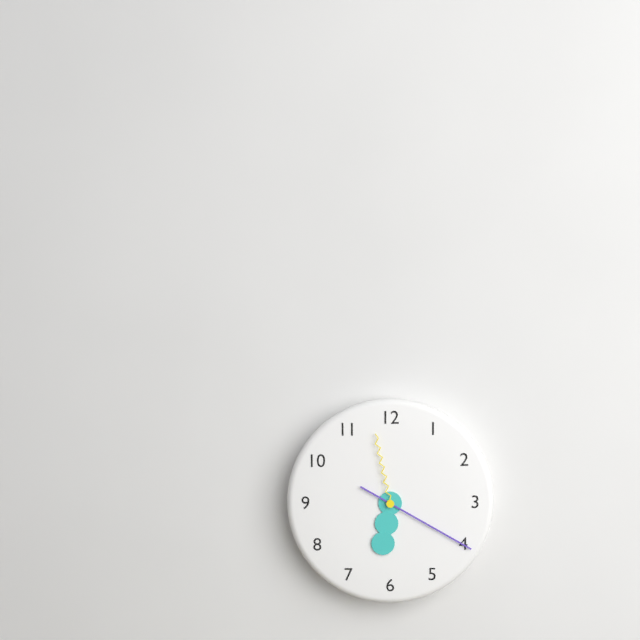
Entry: **6:20:58**
